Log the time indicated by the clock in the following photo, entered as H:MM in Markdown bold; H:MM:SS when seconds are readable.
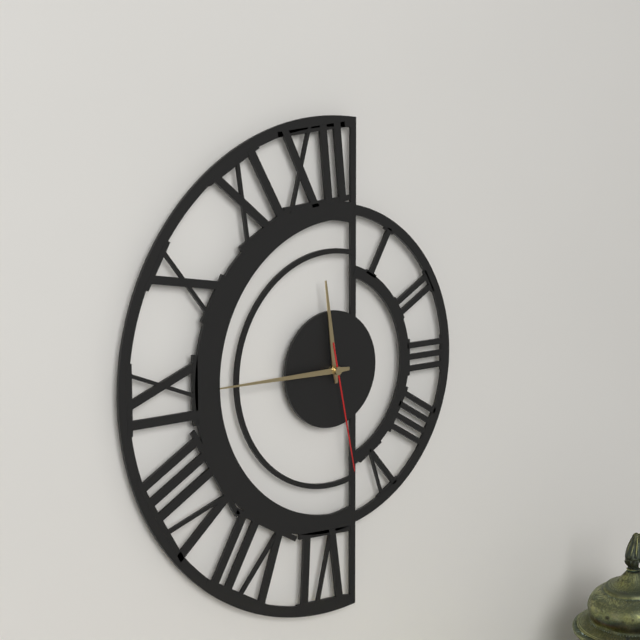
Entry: **11:45:28**
